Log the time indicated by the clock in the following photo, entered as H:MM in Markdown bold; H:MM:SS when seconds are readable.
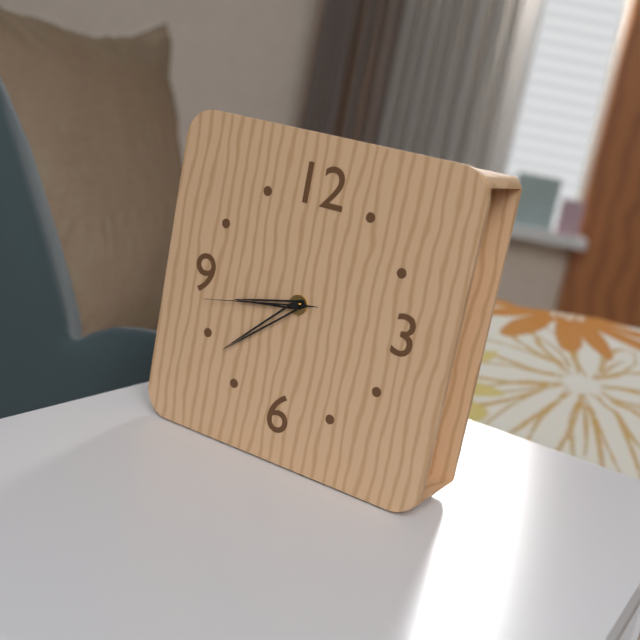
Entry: **8:38:43**
